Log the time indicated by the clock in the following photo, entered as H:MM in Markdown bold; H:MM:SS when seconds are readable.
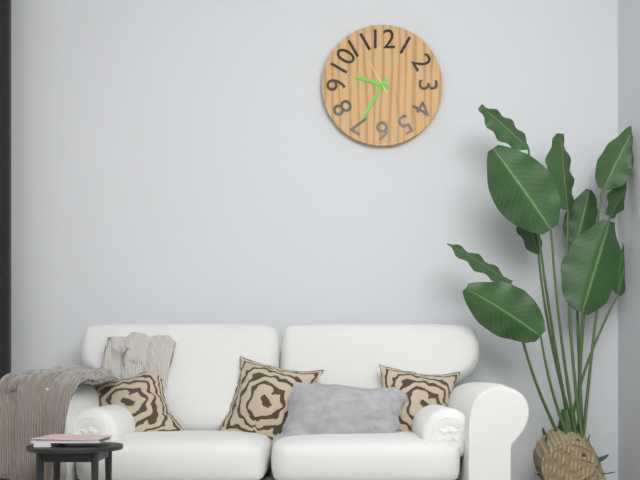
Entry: **9:35**
